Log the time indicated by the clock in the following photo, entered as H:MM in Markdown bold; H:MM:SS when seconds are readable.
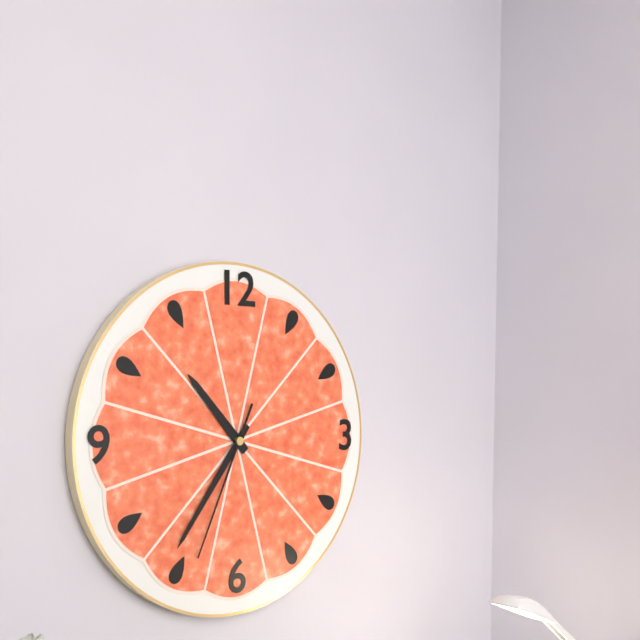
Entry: **10:36:34**
